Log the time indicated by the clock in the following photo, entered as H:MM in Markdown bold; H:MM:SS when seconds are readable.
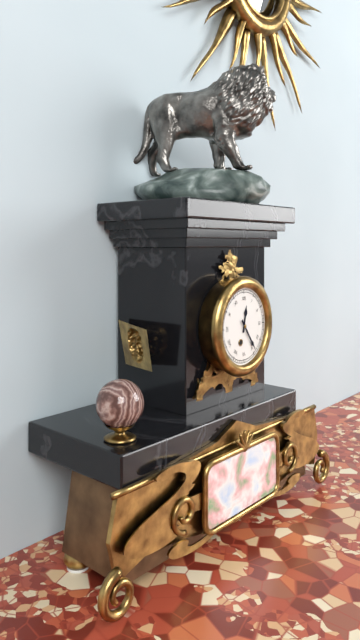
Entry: **12:24**
